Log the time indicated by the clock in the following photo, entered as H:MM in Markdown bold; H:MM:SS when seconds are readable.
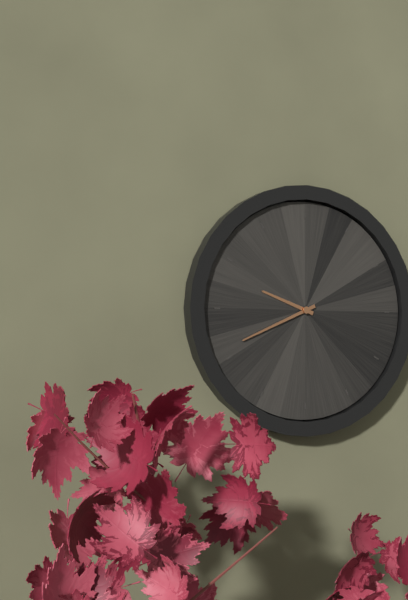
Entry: **9:41**
